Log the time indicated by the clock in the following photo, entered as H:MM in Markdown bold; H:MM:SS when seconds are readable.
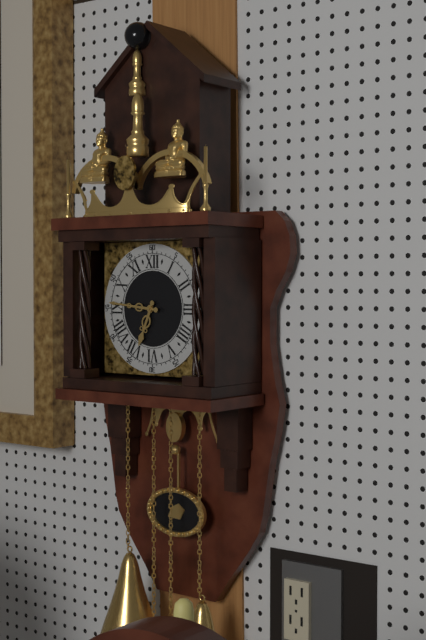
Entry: **6:46**
